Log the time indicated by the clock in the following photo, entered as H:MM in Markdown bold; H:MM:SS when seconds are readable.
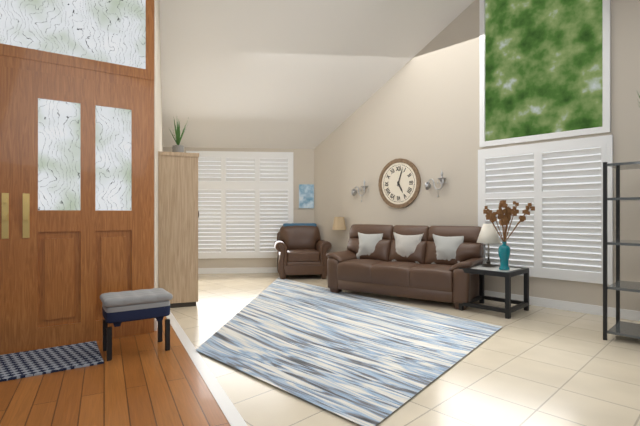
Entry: **5:03**
